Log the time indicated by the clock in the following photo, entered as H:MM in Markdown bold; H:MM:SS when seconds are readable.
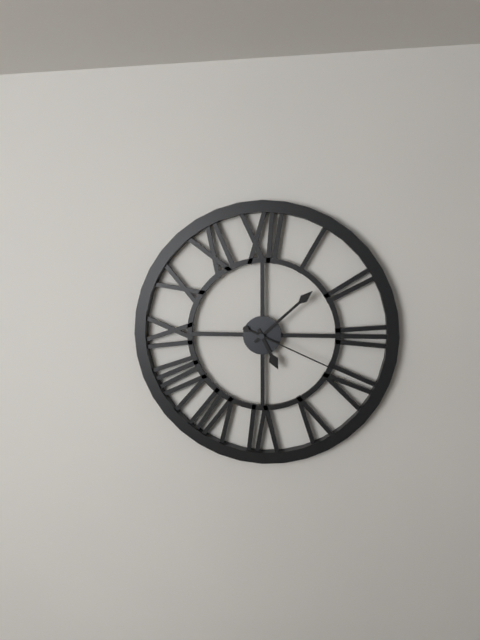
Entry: **5:08:19**
